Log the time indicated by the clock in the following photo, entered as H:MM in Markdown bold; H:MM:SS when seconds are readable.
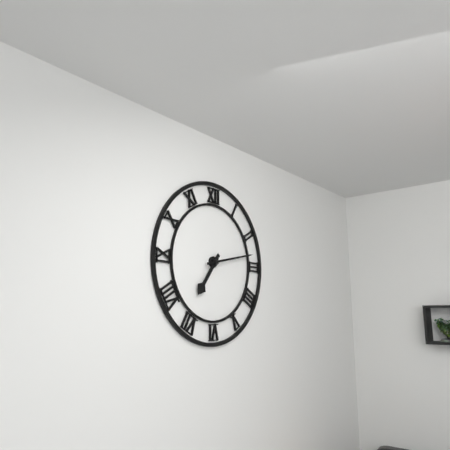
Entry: **7:13**
